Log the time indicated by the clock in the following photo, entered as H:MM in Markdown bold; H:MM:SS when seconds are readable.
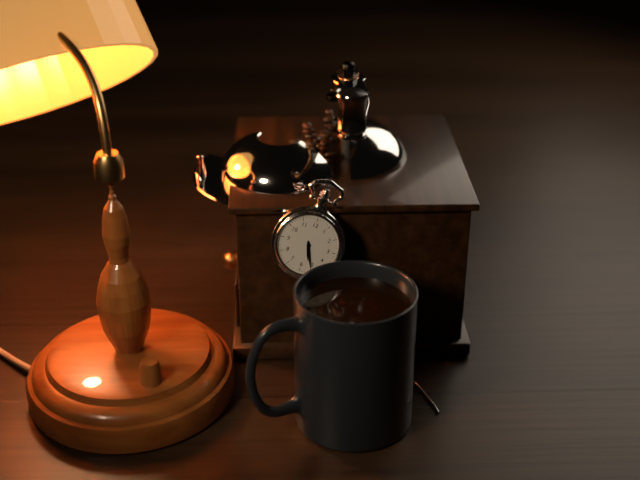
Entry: **5:26**
